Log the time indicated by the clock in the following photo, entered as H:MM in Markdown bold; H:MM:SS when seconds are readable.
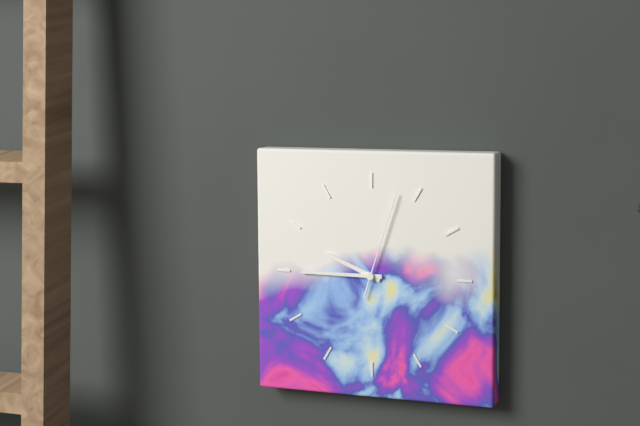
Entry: **9:45:03**
